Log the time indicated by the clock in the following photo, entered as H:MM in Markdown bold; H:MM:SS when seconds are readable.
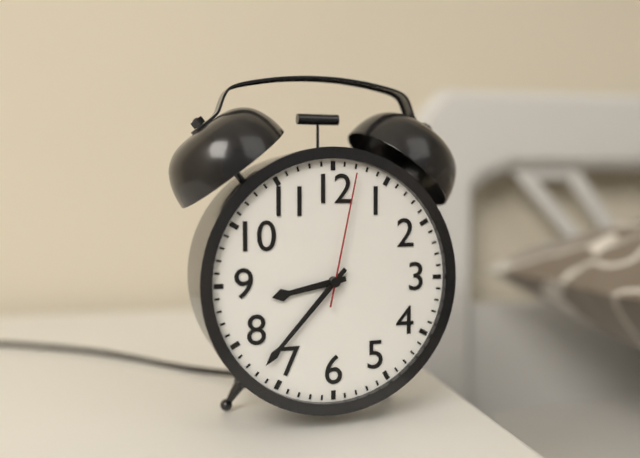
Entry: **8:37:02**
